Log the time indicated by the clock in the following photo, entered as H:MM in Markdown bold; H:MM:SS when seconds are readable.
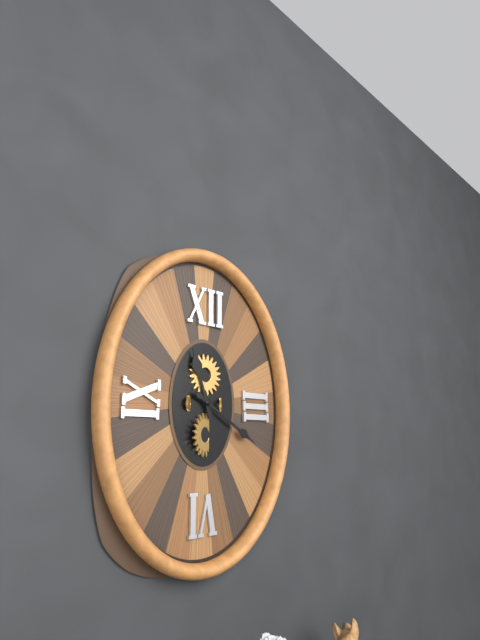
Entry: **11:20**
